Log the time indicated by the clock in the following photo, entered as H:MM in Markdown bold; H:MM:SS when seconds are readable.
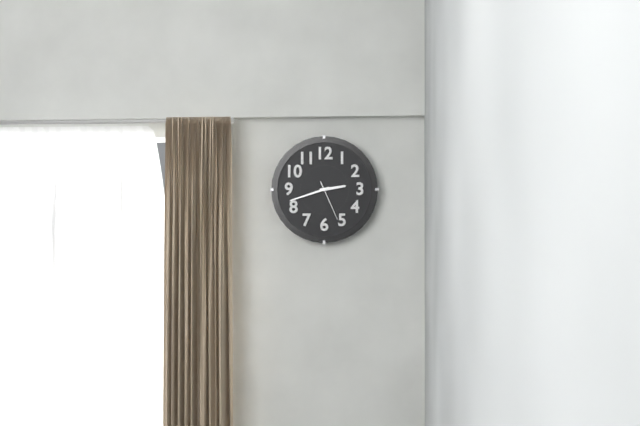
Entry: **2:42**
